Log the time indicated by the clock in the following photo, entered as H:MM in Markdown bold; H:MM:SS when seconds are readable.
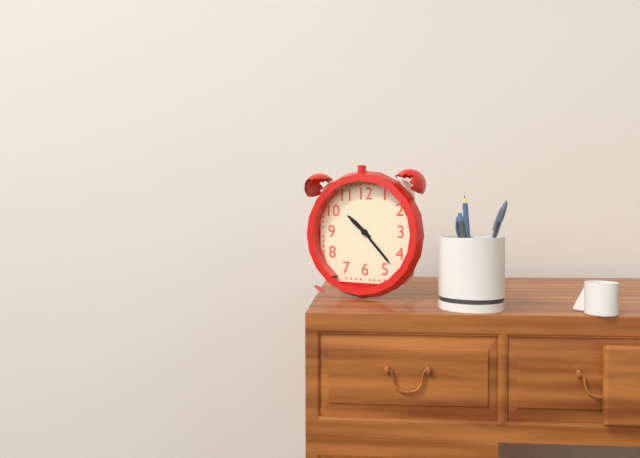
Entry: **10:23**
